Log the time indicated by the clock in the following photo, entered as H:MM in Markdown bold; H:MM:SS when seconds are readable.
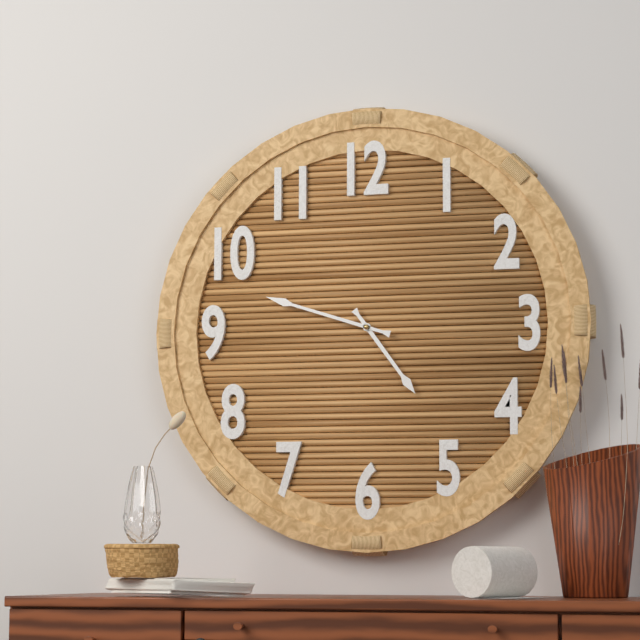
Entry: **4:48**
